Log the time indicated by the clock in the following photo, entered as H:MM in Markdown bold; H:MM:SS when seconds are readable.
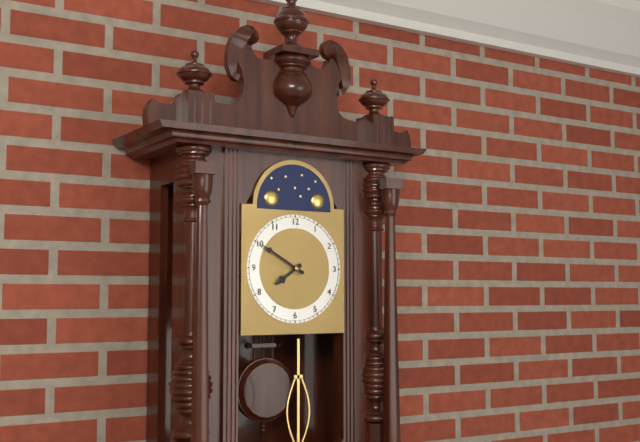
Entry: **7:50**
